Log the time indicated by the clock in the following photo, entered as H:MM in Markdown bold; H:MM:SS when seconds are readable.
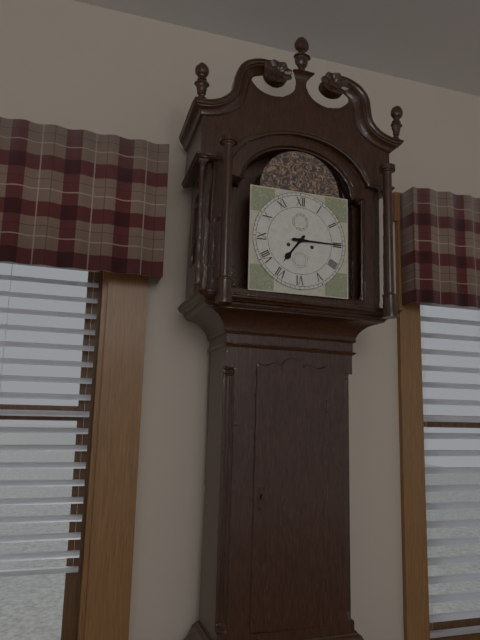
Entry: **7:15**
